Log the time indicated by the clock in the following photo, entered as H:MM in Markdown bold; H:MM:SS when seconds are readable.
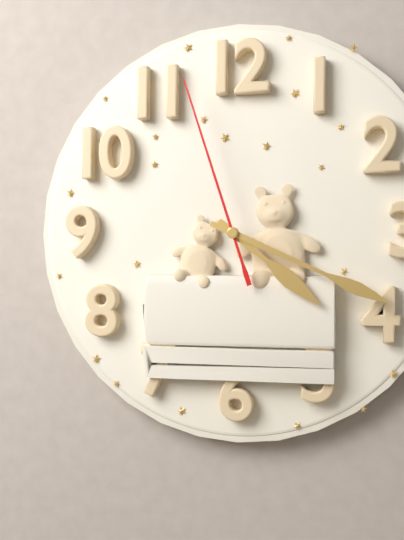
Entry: **4:19:57**
